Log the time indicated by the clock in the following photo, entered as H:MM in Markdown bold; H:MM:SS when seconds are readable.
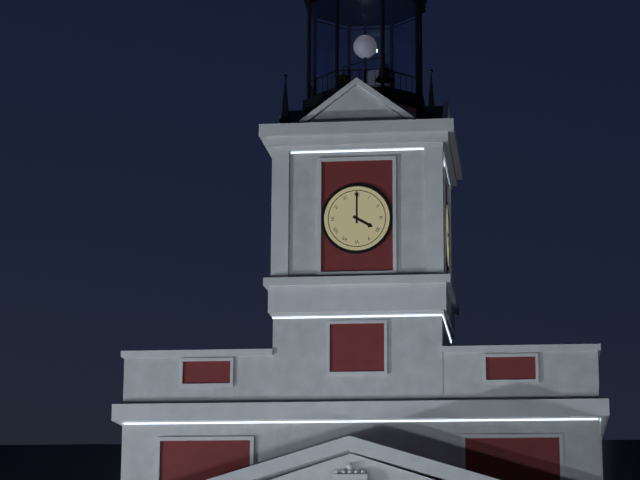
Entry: **4:00**
